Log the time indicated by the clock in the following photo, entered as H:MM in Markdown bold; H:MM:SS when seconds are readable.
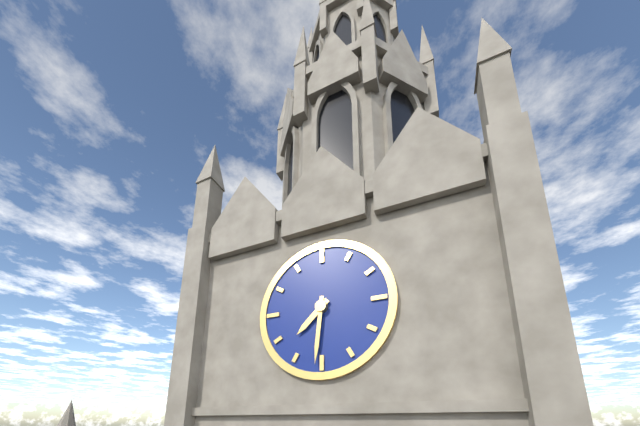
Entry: **7:31**
